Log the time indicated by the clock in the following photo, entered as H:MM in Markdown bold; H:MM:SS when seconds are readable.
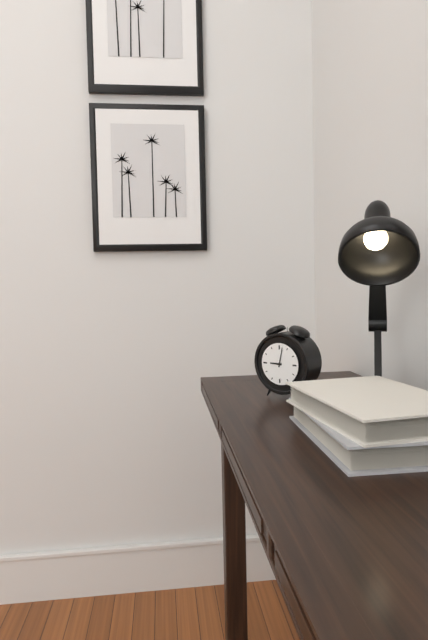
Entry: **9:02**
